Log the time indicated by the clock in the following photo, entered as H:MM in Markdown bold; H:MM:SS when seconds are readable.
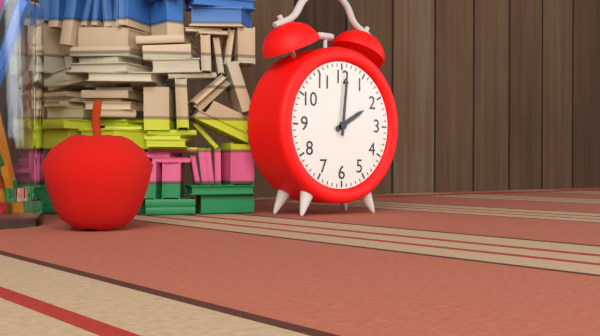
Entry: **2:01**
